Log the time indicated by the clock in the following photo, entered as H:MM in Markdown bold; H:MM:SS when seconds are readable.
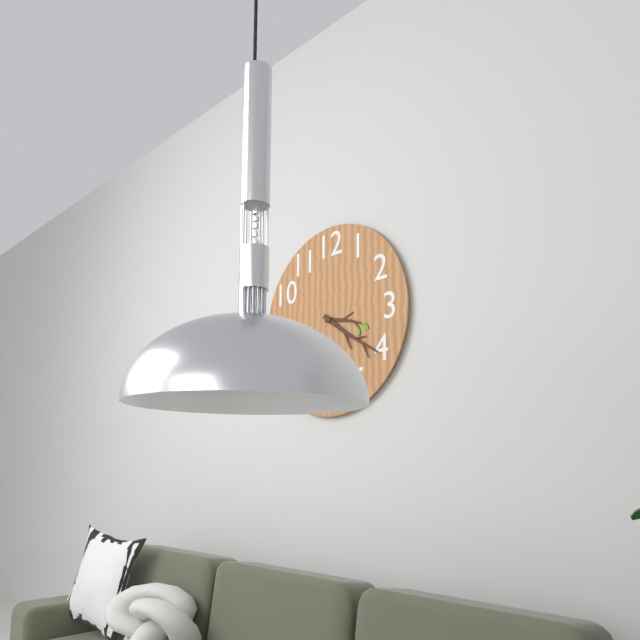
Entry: **3:21**
